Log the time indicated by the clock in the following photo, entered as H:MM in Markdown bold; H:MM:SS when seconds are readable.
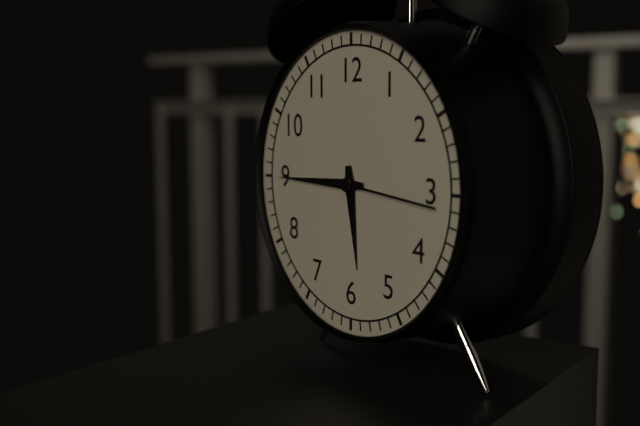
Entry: **5:45:16**
